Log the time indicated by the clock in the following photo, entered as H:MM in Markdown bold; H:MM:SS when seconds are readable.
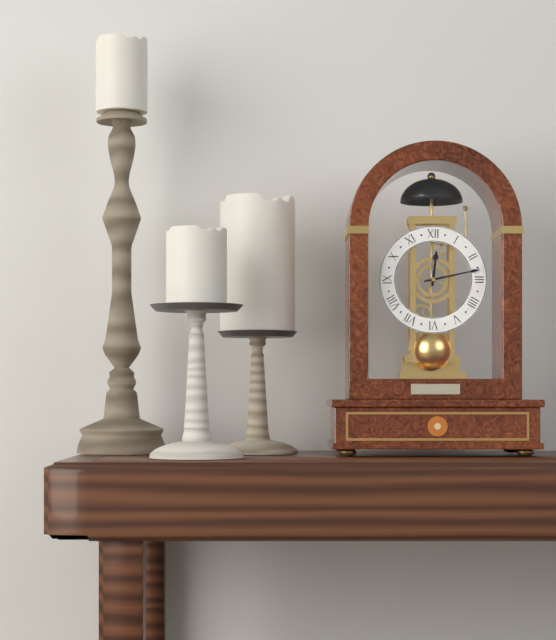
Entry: **12:13**
